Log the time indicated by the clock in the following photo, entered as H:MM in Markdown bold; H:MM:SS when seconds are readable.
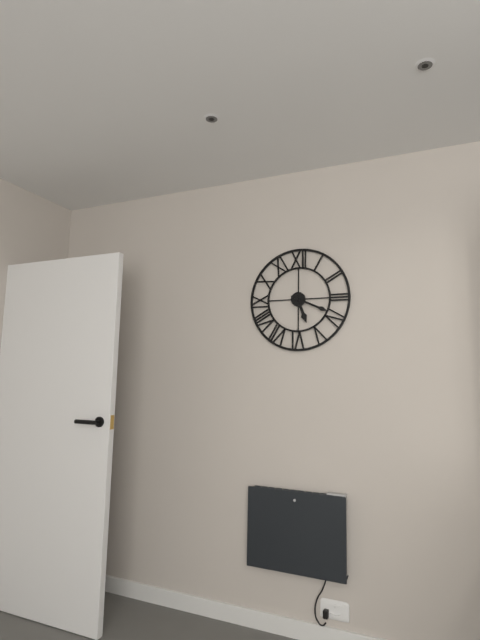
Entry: **5:19**
